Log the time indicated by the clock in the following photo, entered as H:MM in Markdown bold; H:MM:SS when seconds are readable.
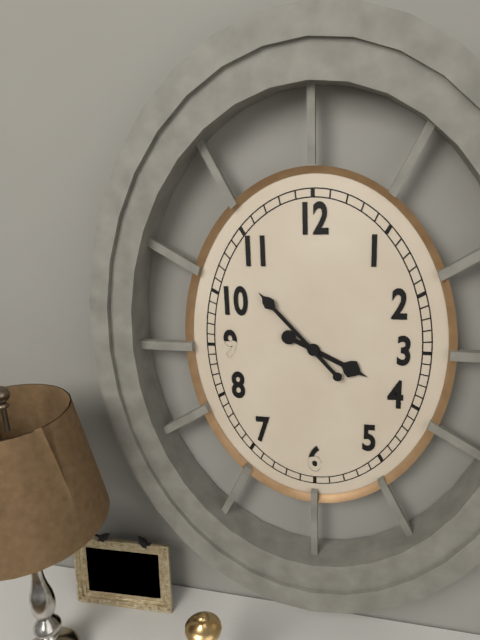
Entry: **3:53**
